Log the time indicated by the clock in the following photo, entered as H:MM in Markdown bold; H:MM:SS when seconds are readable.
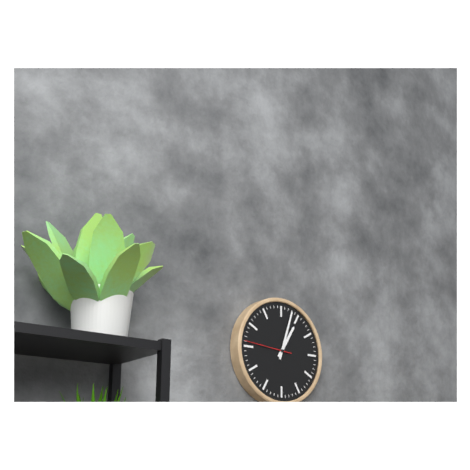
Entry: **1:03**
